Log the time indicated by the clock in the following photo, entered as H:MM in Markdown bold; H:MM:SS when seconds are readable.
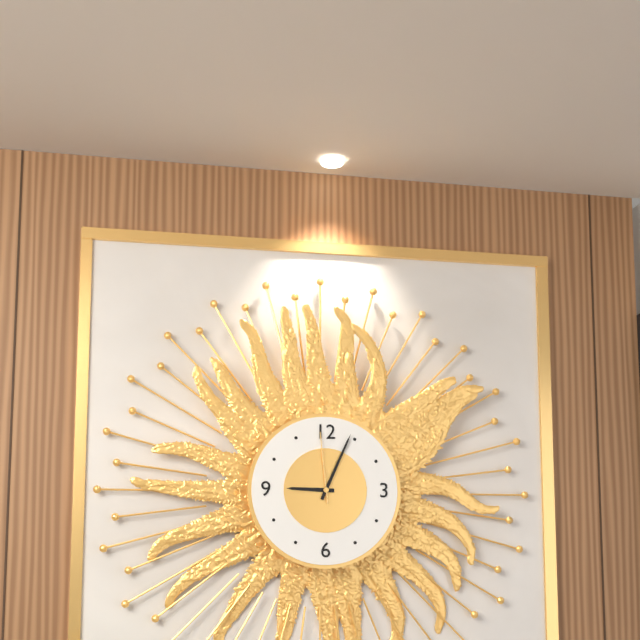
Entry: **9:04:59**
